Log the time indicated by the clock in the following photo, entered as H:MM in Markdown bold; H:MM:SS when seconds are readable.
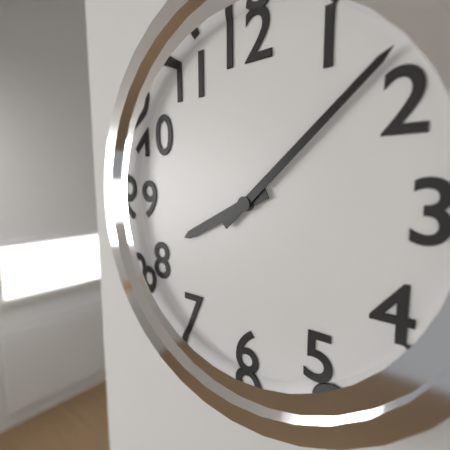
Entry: **8:08**
